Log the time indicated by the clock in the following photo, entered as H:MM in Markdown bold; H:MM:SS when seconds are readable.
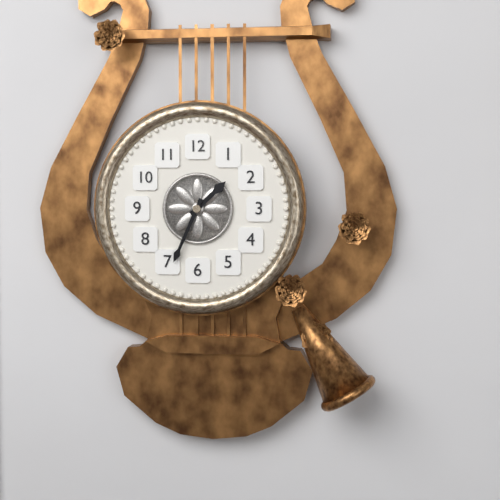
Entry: **1:34**
